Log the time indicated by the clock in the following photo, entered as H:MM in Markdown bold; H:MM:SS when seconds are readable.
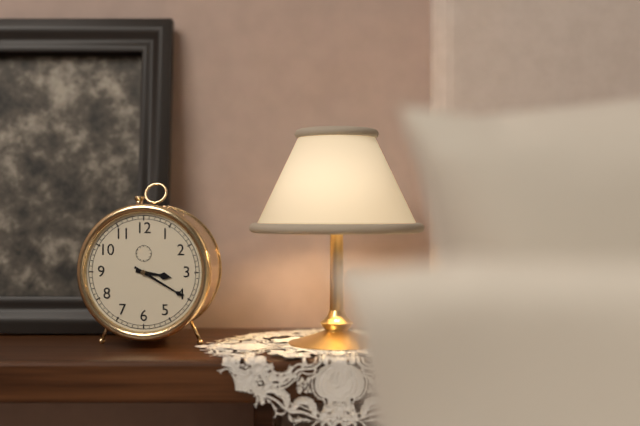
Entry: **3:20**
